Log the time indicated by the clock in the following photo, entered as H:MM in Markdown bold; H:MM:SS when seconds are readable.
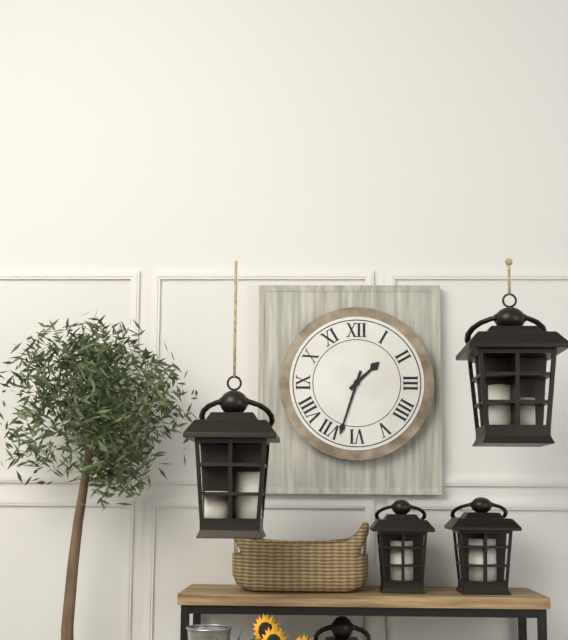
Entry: **1:33**
